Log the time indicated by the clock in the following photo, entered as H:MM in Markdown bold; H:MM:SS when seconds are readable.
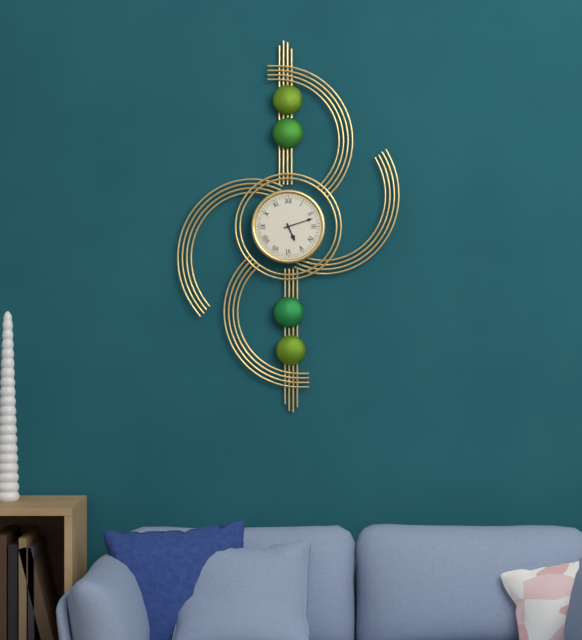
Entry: **5:12**
